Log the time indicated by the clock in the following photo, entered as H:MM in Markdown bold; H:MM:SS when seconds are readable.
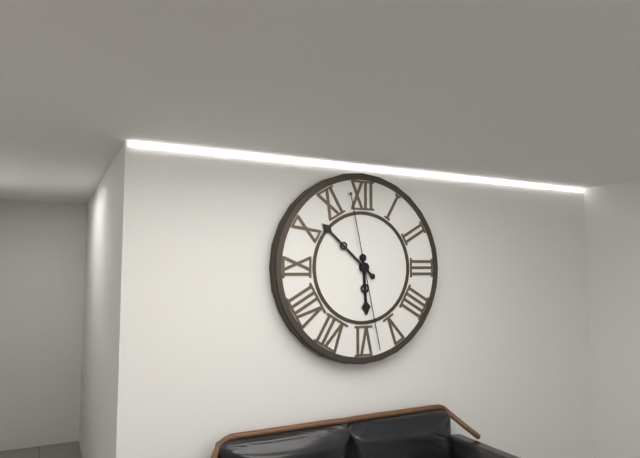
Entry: **5:52:28**
